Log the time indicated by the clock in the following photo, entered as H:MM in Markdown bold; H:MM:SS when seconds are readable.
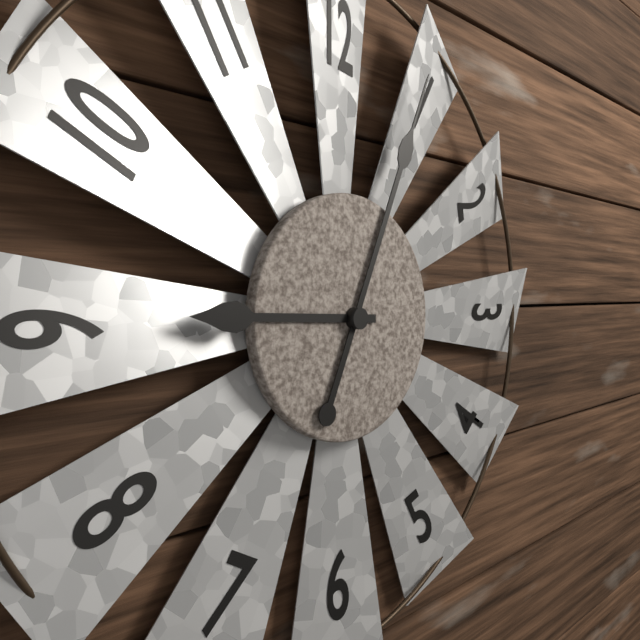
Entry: **9:04**
